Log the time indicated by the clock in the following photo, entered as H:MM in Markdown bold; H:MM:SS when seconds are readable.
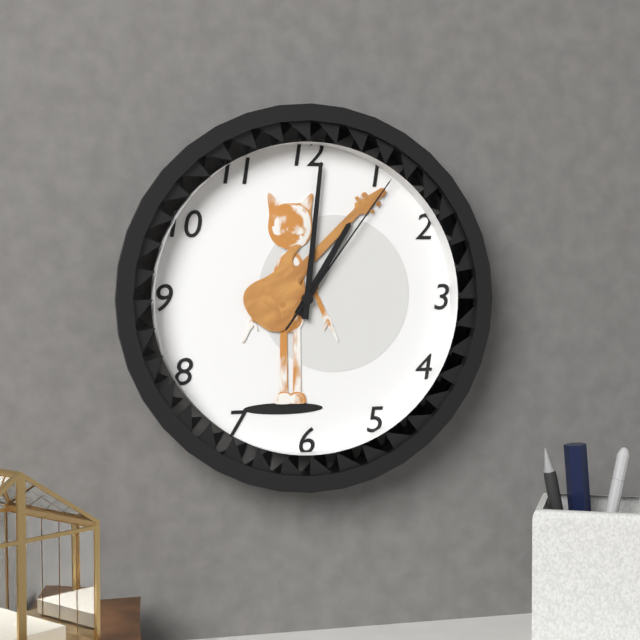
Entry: **1:01:06**
